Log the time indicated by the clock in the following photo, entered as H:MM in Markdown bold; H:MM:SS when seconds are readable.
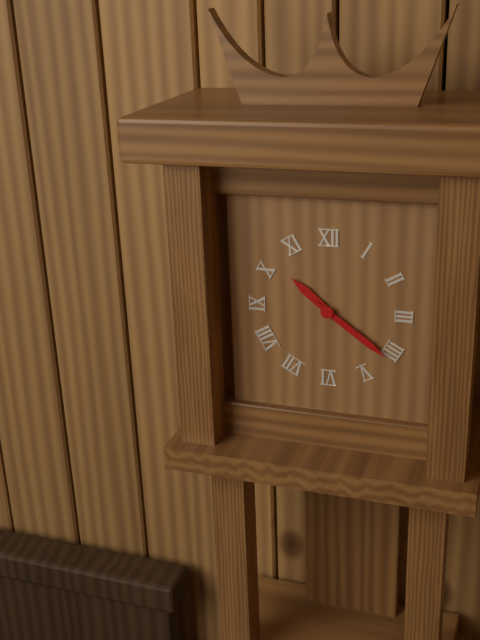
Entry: **10:21**
